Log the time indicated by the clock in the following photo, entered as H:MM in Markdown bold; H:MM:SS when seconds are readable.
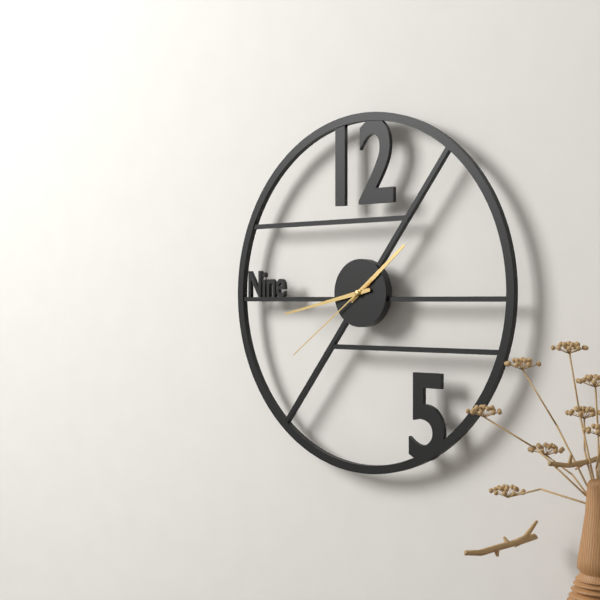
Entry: **1:43:39**
